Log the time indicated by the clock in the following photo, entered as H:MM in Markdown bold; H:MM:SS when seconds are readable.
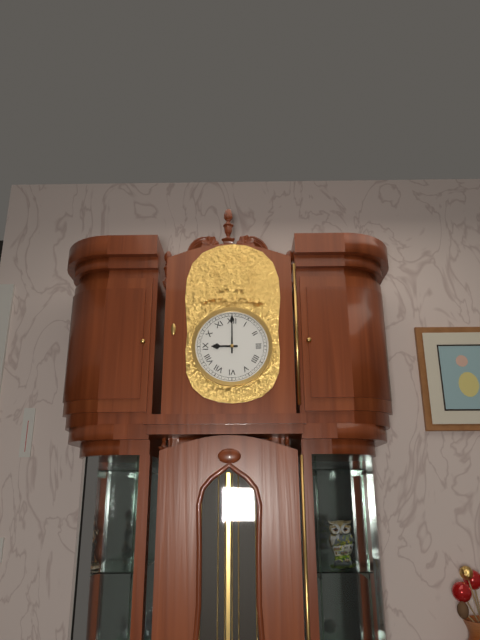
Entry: **9:00**
